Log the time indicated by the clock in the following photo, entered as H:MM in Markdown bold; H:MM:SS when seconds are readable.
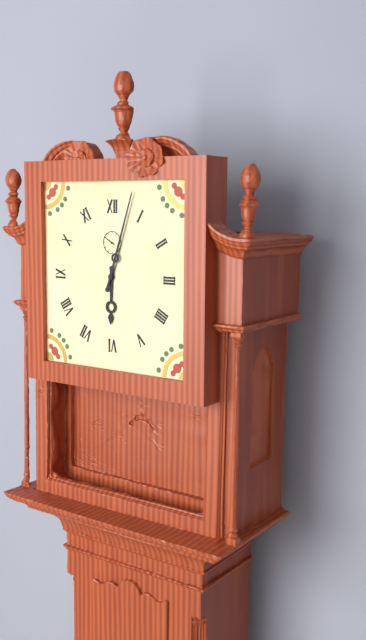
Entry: **6:03**
